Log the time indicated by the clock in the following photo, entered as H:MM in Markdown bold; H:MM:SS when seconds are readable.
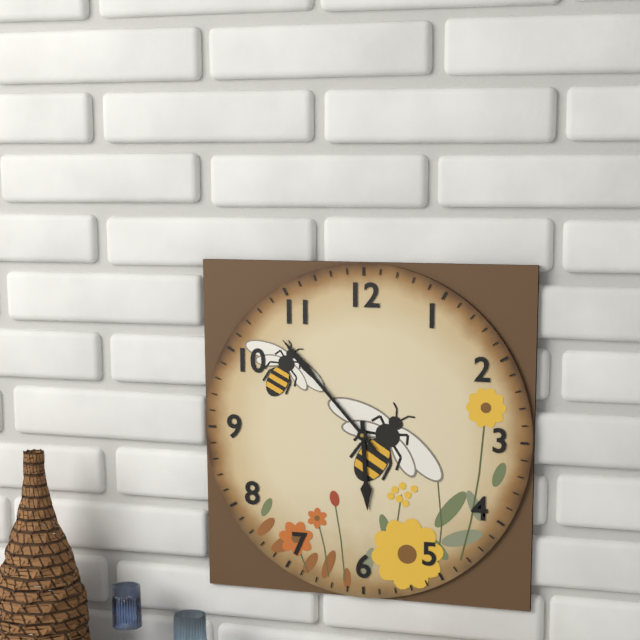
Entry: **5:53**
